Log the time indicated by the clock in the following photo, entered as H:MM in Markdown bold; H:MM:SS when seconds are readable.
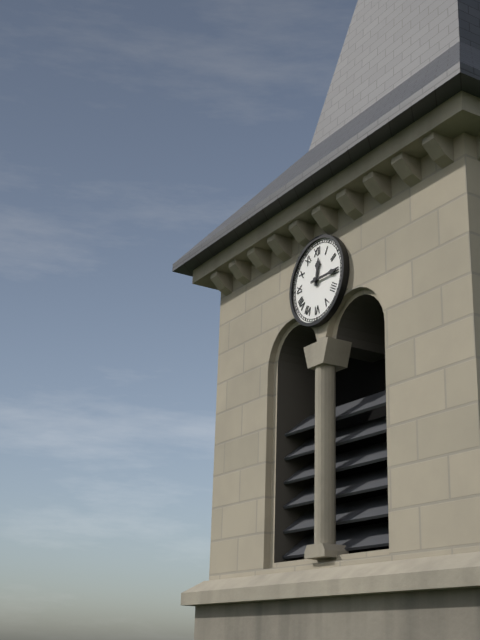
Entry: **12:15**
